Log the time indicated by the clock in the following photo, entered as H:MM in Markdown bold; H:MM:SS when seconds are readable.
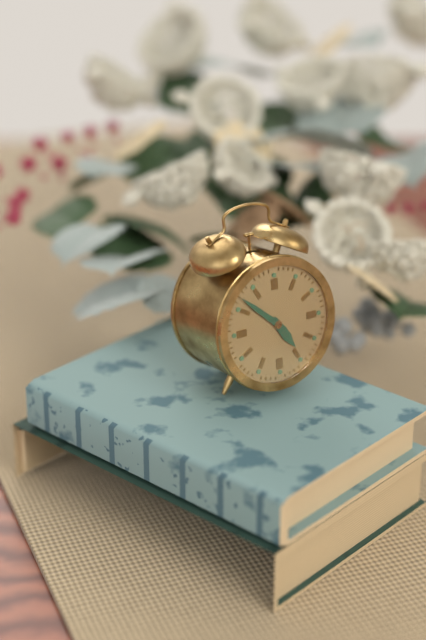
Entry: **4:52**
